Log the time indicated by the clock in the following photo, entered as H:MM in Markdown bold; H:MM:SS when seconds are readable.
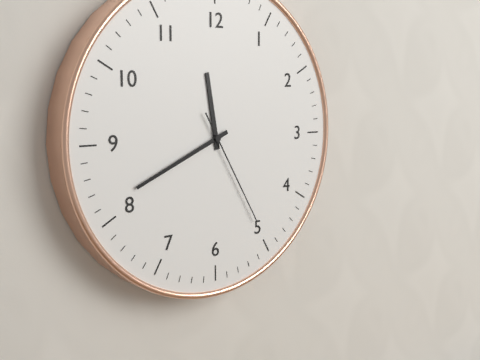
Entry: **11:41:25**
